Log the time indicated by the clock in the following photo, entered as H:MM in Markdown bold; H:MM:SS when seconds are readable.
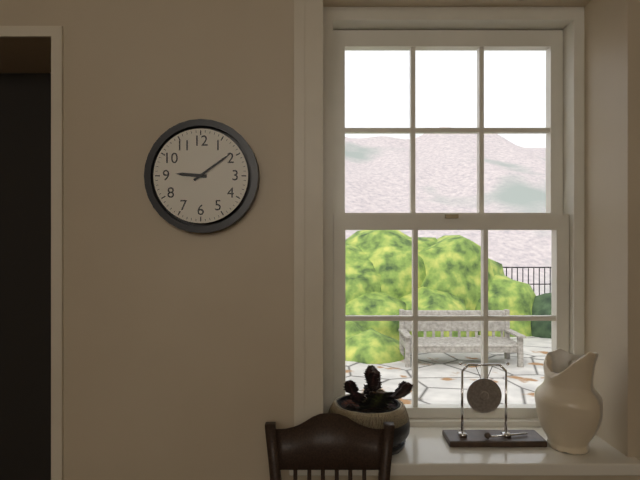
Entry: **9:09**
